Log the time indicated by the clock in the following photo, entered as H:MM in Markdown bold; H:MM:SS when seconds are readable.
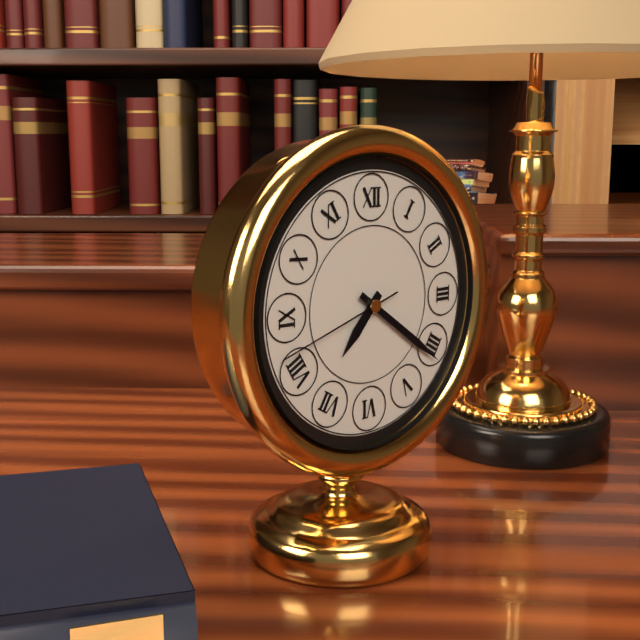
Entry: **7:21:42**
